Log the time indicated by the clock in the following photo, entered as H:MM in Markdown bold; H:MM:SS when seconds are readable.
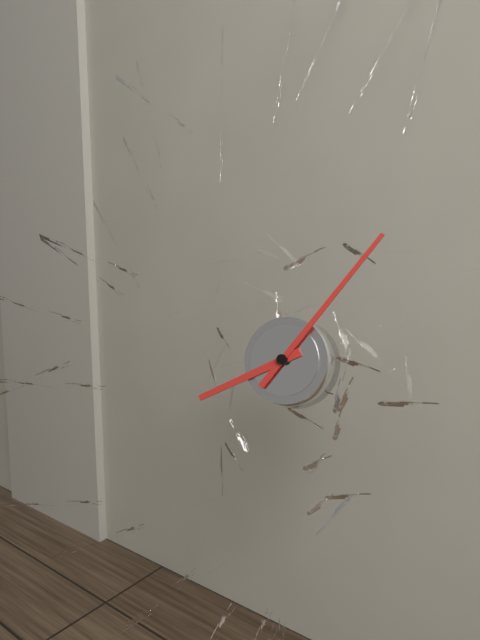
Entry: **8:06**
